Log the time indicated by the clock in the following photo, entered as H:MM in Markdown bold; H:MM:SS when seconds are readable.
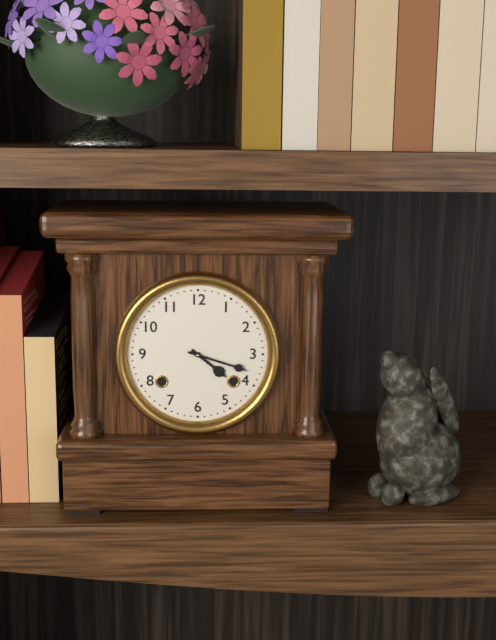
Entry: **4:18**
